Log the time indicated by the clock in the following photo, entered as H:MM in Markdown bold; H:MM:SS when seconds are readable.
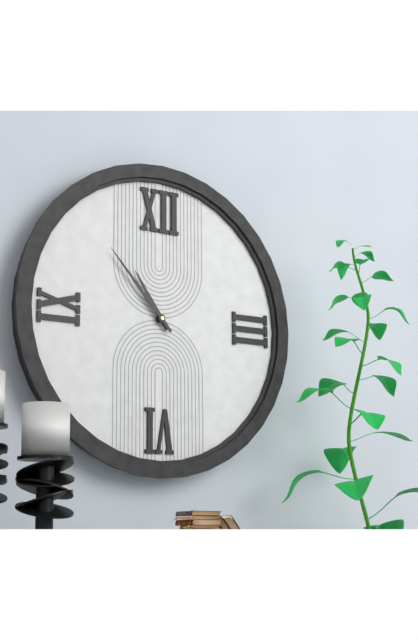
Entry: **10:53**
